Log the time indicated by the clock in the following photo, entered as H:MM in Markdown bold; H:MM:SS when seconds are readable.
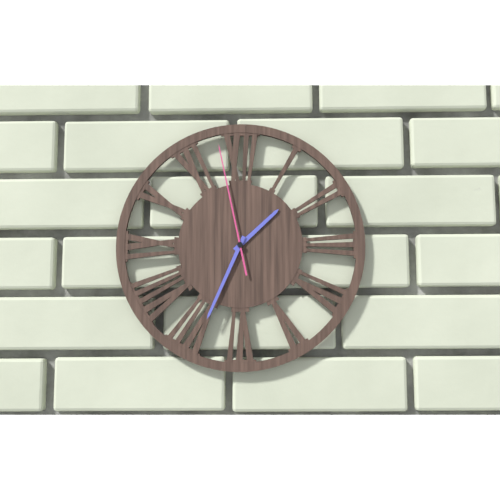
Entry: **1:34:58**
